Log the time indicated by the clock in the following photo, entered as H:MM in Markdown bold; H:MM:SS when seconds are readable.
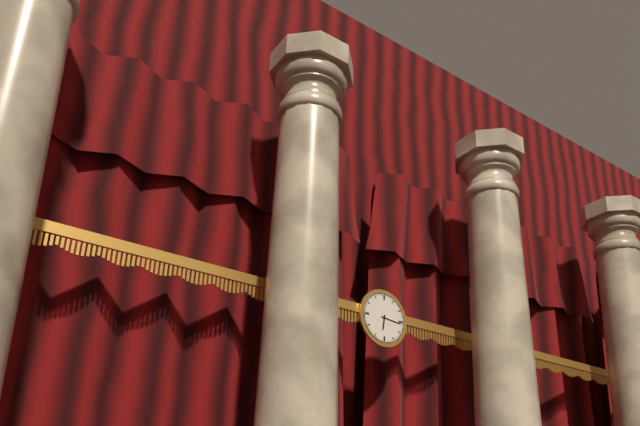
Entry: **6:16**
